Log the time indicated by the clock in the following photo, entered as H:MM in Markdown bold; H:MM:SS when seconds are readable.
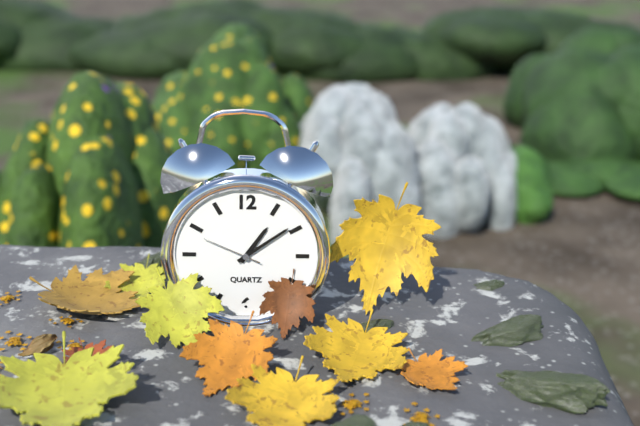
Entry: **1:09:49**
